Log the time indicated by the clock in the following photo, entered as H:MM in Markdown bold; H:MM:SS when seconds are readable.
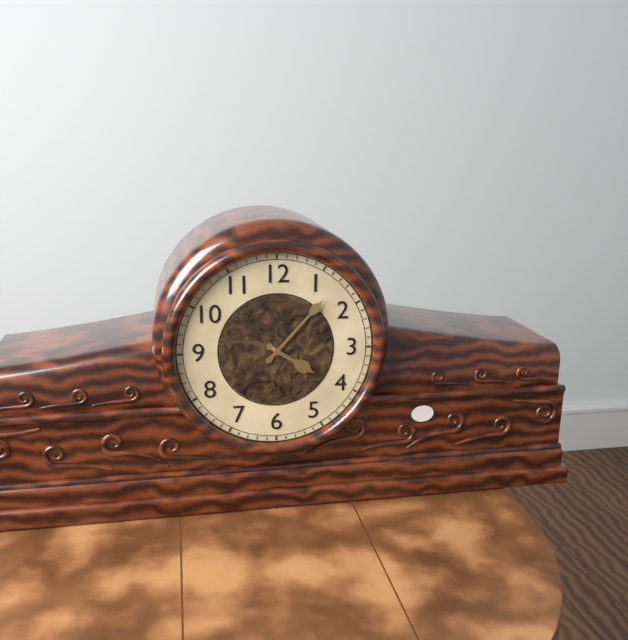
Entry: **4:07**
